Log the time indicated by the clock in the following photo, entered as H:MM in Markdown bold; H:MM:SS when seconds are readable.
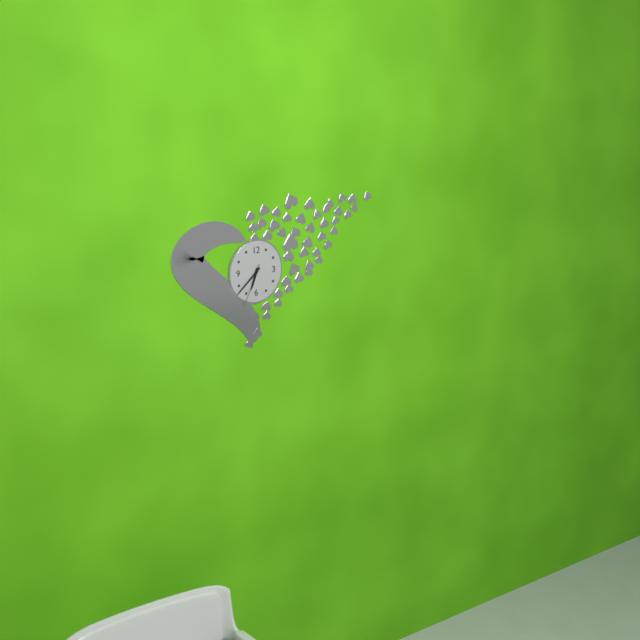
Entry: **6:38**
